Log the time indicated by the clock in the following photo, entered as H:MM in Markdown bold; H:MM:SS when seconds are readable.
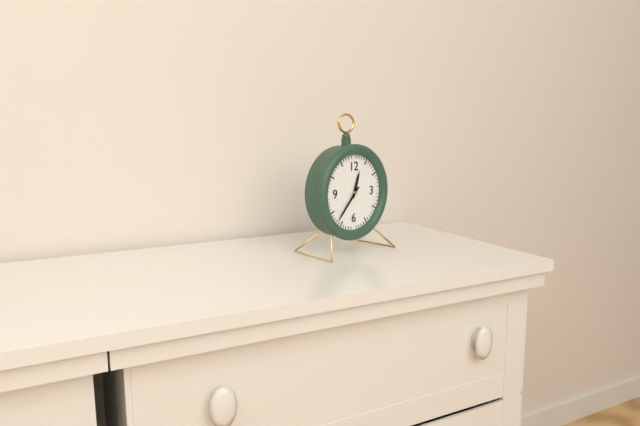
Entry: **12:37**
